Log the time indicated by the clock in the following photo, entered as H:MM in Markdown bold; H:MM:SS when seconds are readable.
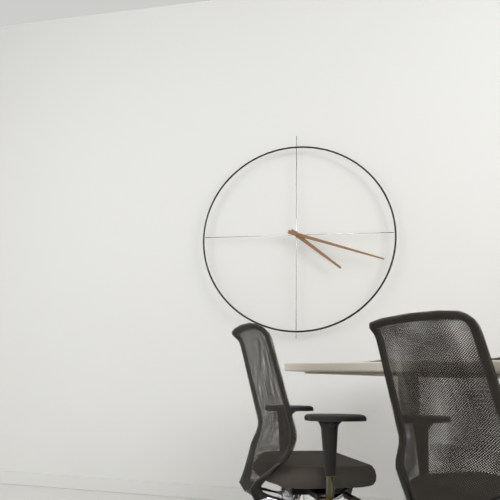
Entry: **4:18**
